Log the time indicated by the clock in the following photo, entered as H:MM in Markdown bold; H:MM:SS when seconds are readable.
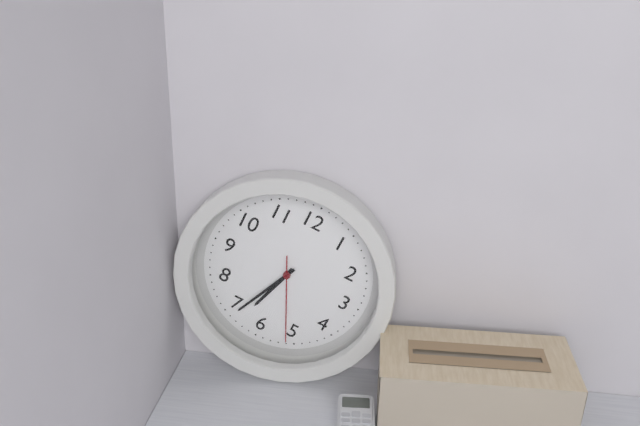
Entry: **6:34:26**
